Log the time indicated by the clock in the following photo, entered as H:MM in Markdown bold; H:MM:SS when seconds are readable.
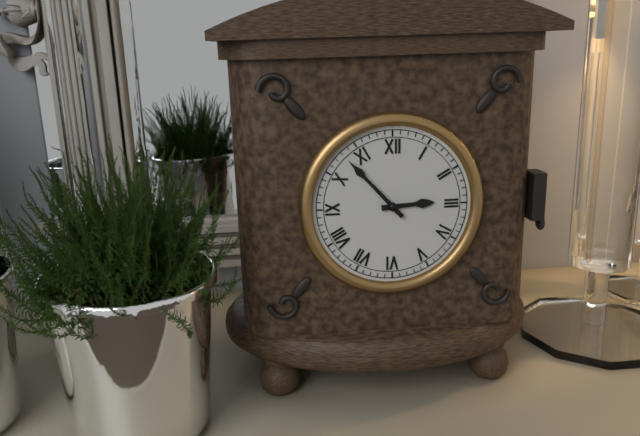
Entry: **2:53**
